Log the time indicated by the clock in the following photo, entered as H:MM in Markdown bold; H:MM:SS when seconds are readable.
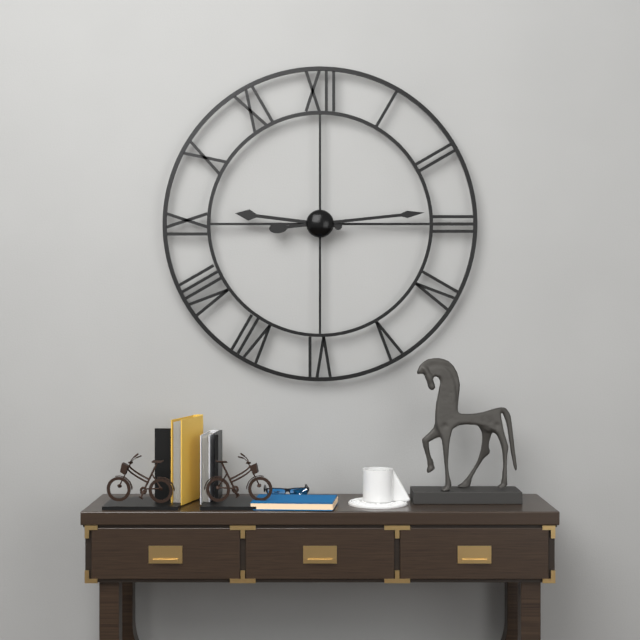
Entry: **9:14**
